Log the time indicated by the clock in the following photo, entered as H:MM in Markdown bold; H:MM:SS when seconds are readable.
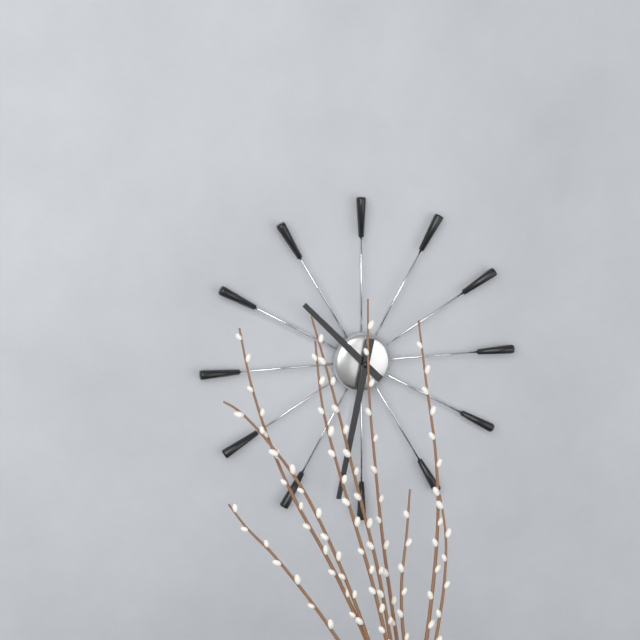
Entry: **10:32**
